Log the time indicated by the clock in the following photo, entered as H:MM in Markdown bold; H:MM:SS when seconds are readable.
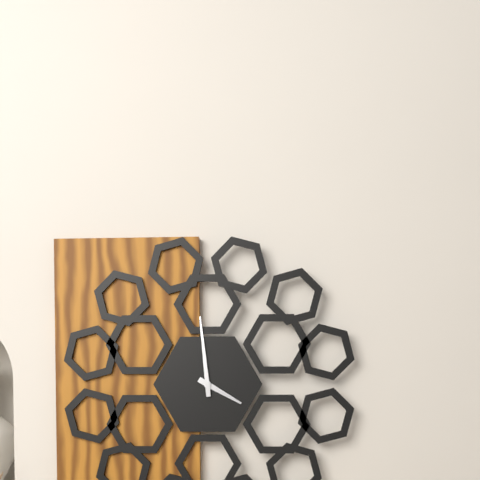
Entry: **3:59**
